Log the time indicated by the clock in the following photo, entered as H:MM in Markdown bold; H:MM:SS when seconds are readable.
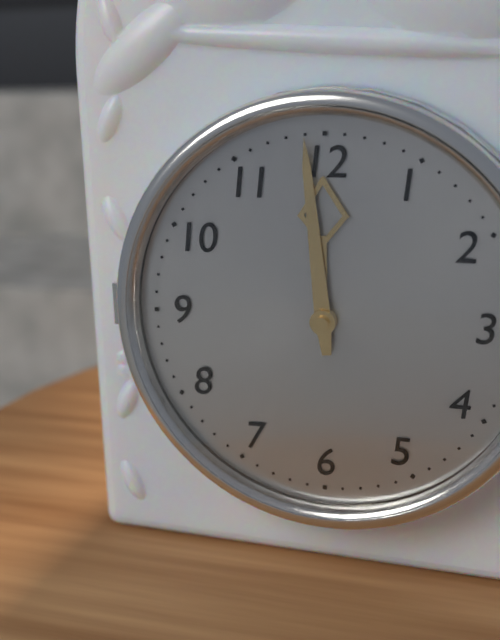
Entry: **11:59**
